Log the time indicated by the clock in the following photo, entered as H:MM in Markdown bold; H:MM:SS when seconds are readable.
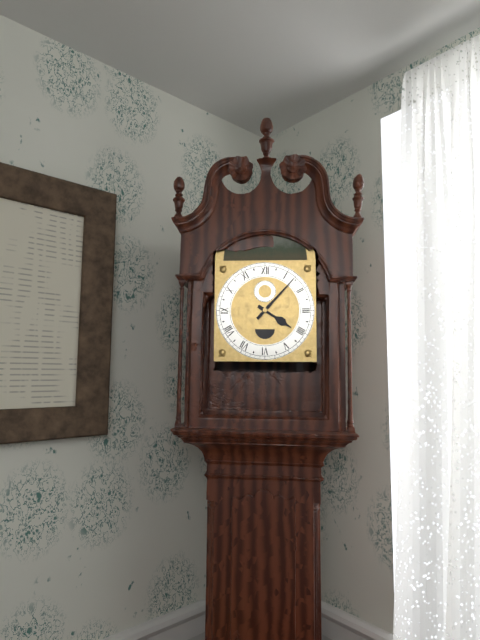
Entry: **4:07**
